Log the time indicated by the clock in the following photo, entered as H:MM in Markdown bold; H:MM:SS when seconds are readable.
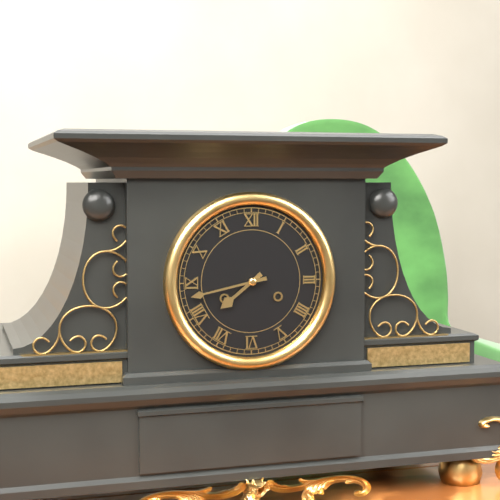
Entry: **7:43**
